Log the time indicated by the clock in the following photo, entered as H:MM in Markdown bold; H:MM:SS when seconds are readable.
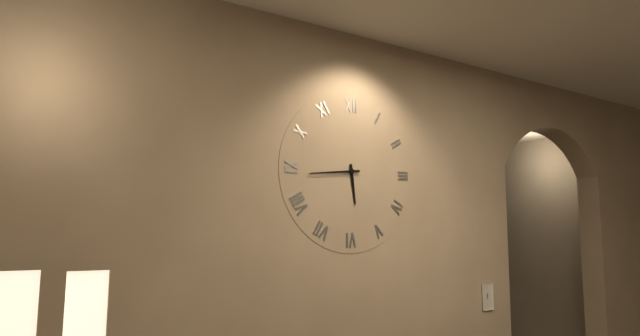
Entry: **5:44**
